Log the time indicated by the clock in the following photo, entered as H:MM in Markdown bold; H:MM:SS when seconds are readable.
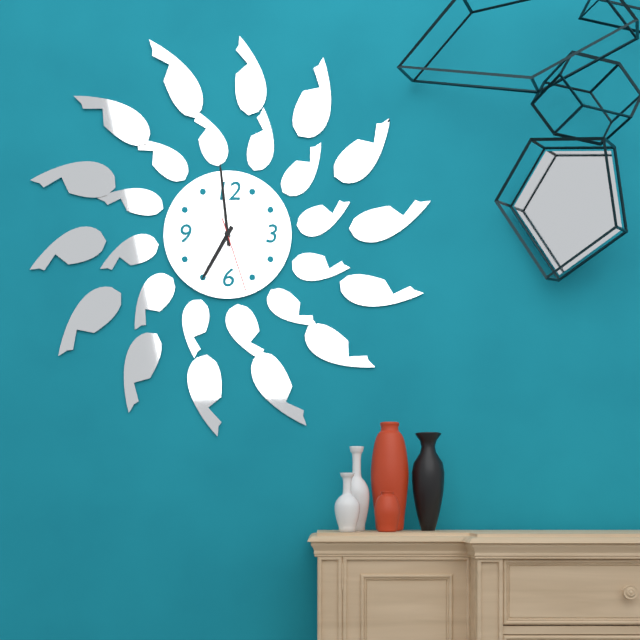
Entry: **6:59:27**
